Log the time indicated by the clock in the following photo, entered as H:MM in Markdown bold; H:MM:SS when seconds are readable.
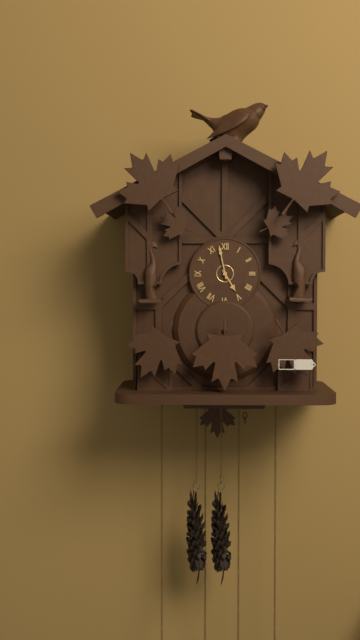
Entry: **4:58**
